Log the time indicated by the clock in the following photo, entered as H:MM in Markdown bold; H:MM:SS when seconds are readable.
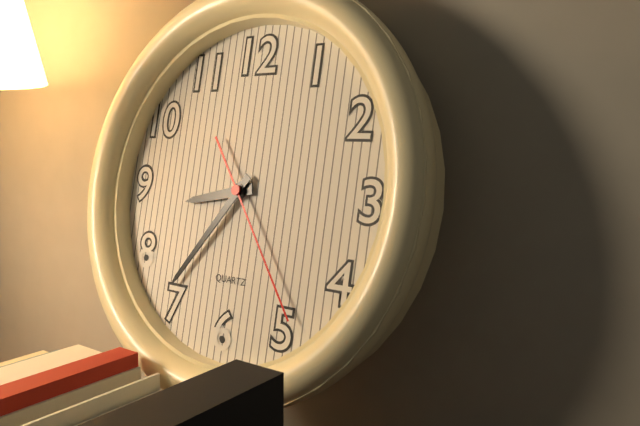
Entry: **8:36:24**
